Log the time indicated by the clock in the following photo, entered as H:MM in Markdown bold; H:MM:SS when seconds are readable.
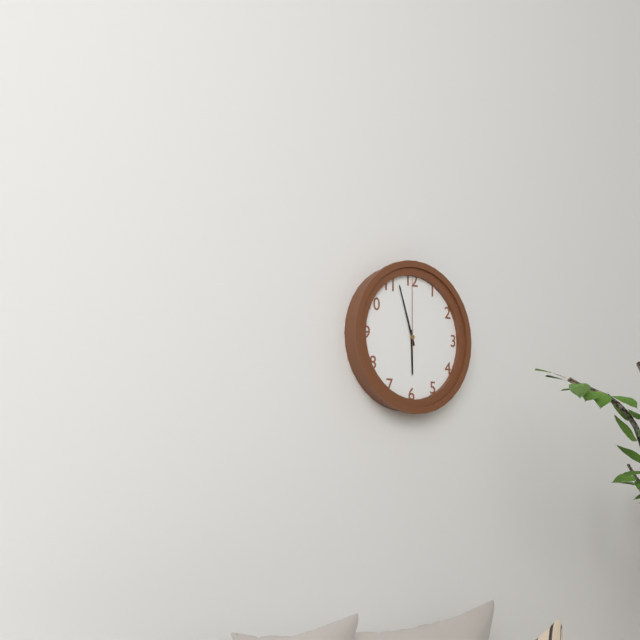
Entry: **5:57:00**
